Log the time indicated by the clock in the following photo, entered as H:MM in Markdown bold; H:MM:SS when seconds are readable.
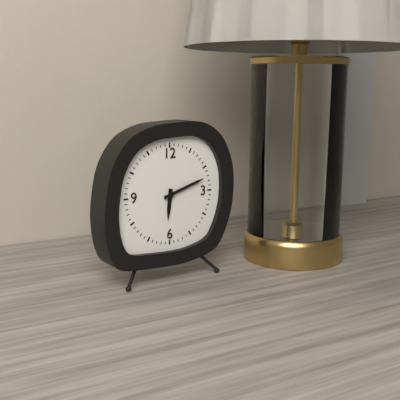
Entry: **6:12**
